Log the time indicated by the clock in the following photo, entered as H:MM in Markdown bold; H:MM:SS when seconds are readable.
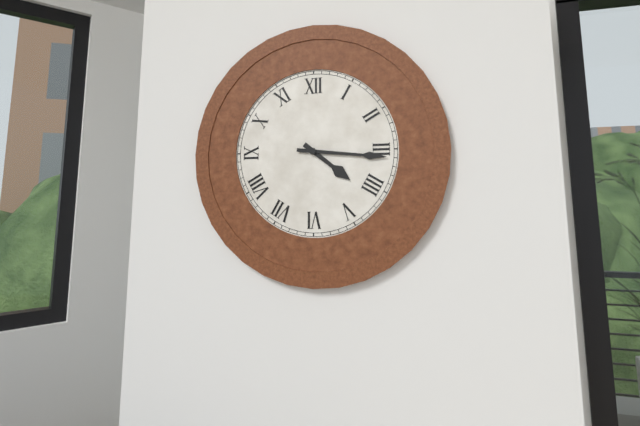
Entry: **4:16**
